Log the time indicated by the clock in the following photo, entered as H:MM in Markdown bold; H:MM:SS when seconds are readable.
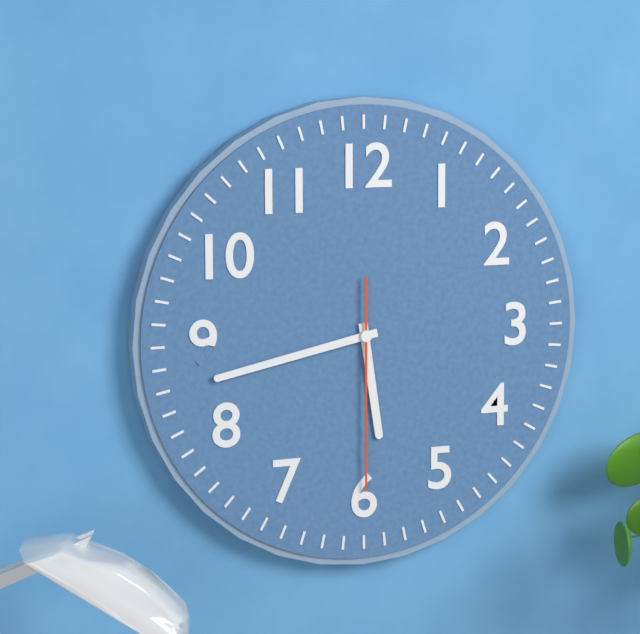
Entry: **5:43:30**
